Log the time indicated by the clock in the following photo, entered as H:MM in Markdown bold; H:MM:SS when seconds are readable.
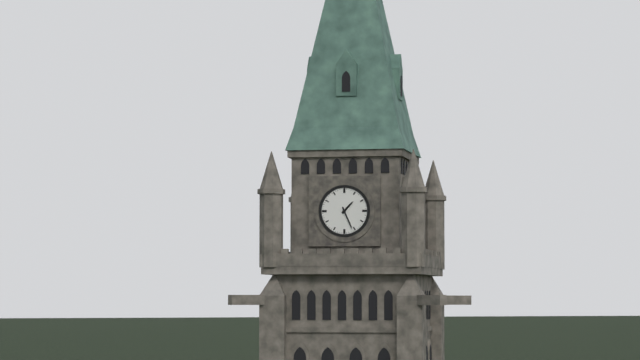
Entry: **1:26**
